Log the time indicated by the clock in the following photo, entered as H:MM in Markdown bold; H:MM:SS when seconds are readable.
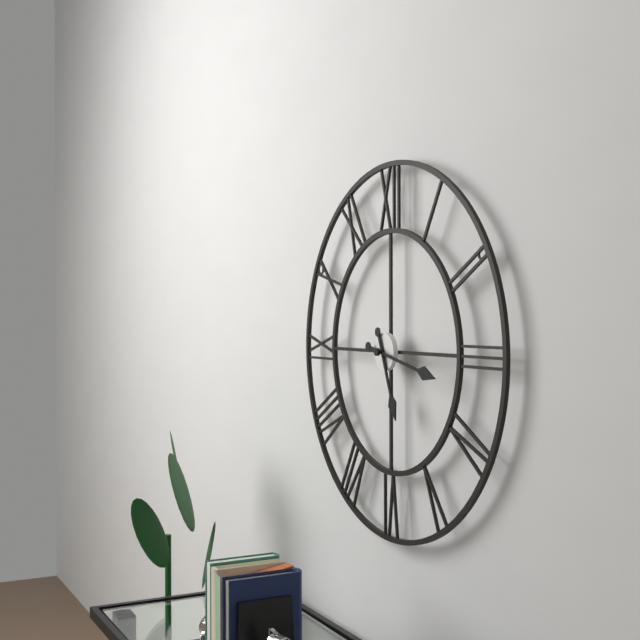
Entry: **5:17**
